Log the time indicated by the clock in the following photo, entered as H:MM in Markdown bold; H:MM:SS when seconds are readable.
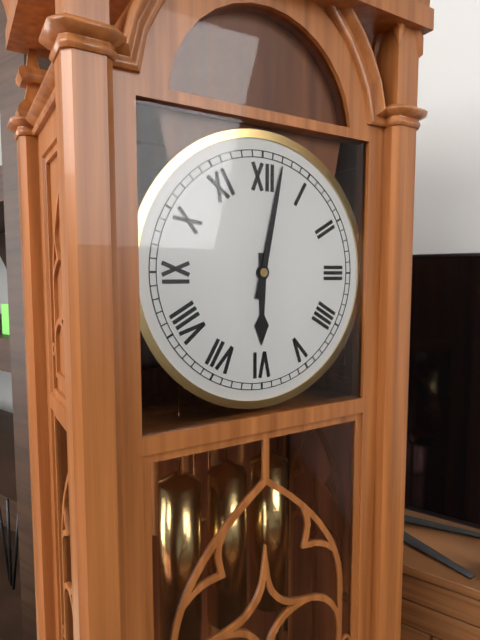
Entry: **6:02**
